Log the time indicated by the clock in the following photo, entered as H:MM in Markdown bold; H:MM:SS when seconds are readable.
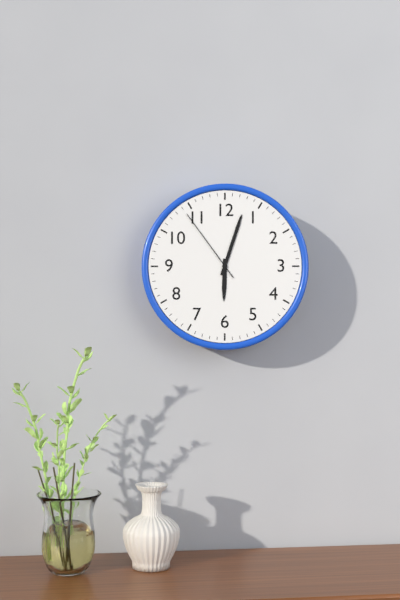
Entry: **6:03:54**
